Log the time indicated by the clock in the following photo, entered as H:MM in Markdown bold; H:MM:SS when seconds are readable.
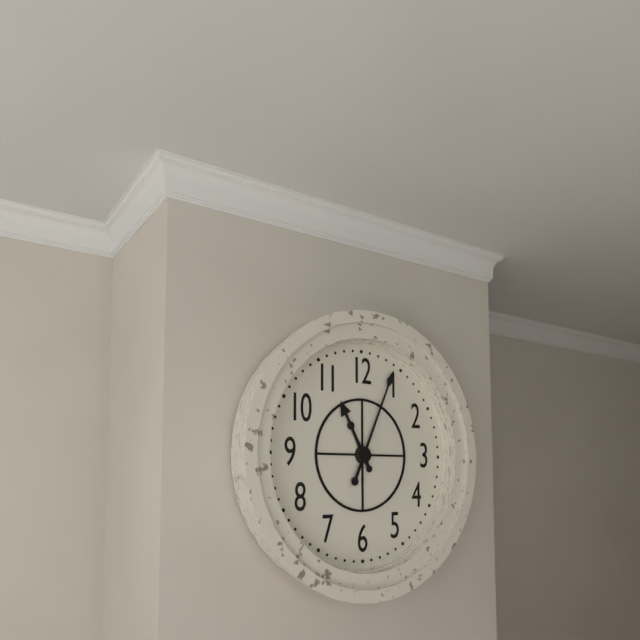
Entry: **11:04**
